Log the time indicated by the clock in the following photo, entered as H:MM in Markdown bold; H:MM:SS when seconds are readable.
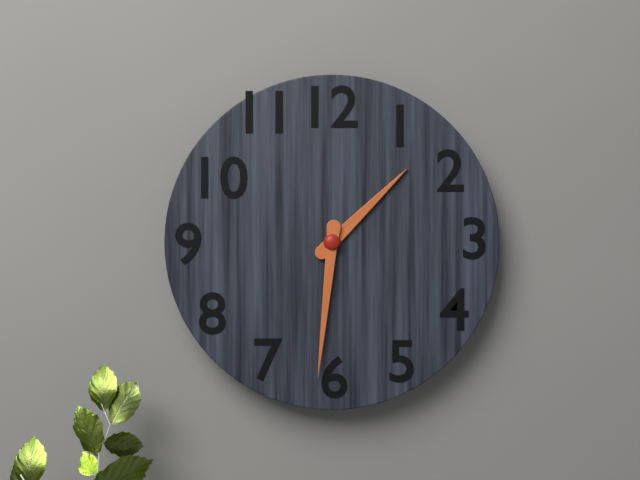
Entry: **1:31**
